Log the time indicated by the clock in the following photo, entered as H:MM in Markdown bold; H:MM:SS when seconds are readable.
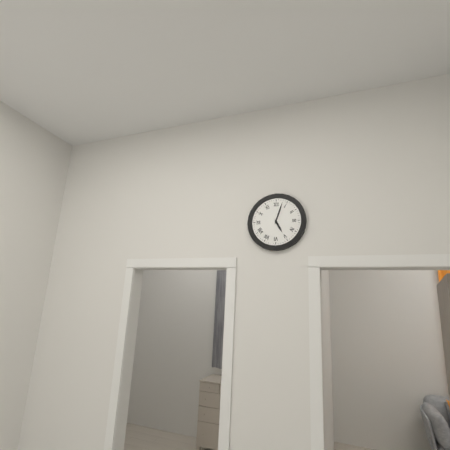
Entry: **5:03**
